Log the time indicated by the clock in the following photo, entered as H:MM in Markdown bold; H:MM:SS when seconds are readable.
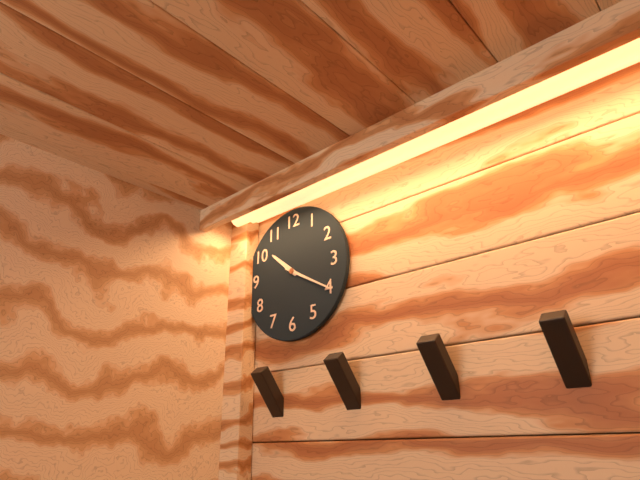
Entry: **10:20**
